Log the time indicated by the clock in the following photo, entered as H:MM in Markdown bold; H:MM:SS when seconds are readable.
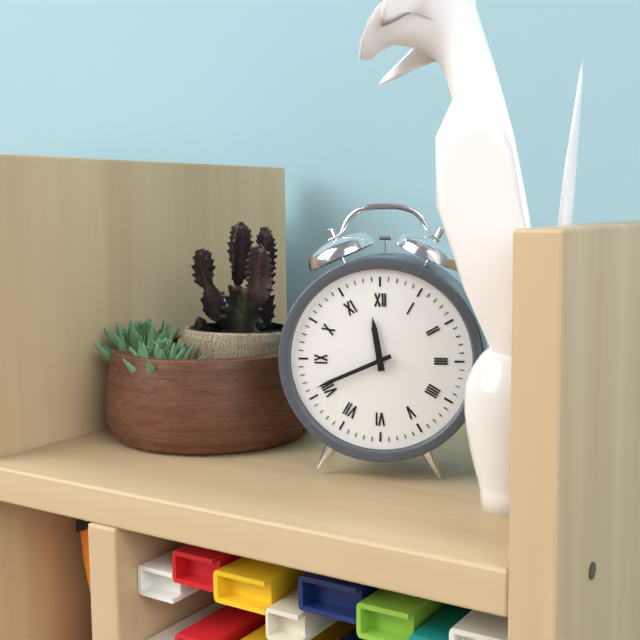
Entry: **11:41**
